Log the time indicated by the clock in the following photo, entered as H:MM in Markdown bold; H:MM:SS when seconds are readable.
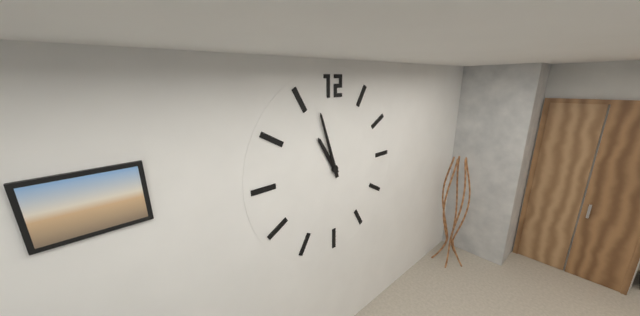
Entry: **10:57**
